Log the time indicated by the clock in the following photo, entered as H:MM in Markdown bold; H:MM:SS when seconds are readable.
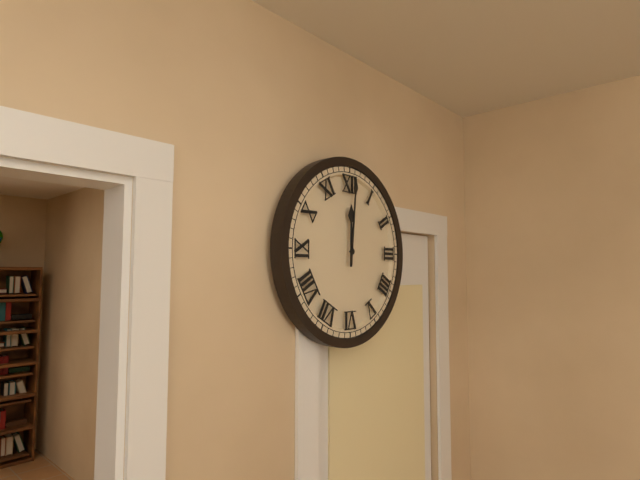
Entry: **12:01**
